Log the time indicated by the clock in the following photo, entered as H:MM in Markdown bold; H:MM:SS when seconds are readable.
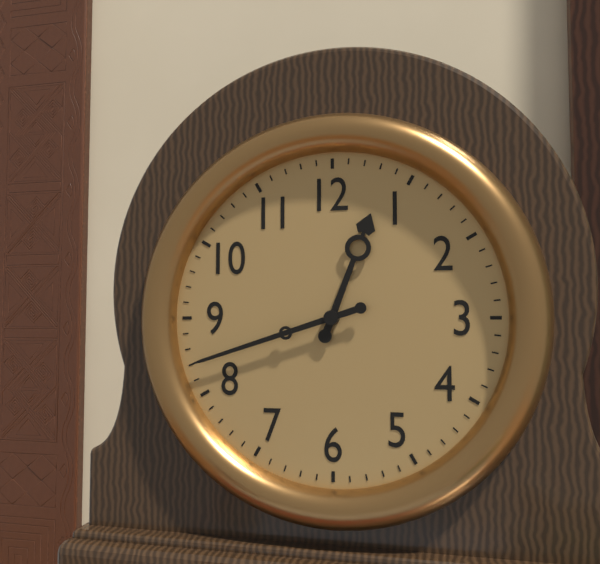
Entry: **12:42**
